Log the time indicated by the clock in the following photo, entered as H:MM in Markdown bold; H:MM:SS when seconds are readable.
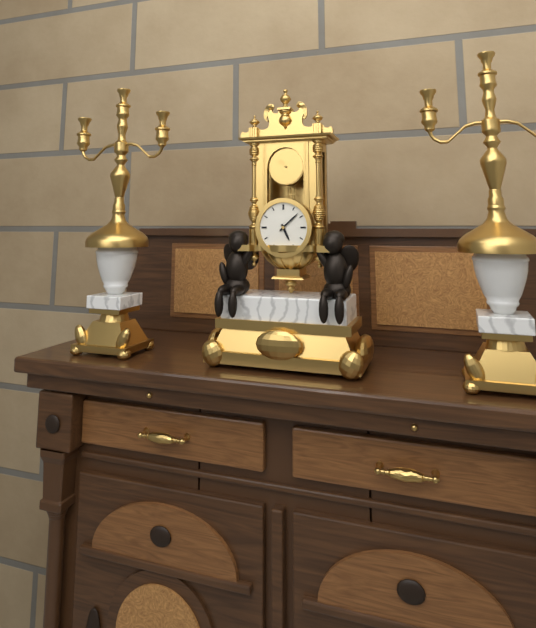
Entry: **5:08**
